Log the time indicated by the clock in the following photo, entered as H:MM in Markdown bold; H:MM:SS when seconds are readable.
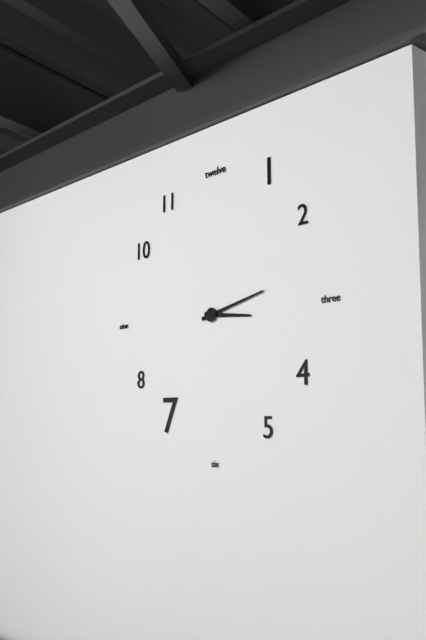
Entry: **3:13**
